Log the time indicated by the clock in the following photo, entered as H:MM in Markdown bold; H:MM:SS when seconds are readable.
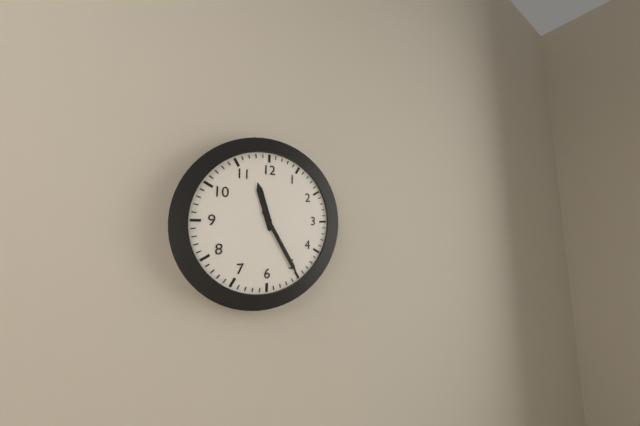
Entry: **11:25**
